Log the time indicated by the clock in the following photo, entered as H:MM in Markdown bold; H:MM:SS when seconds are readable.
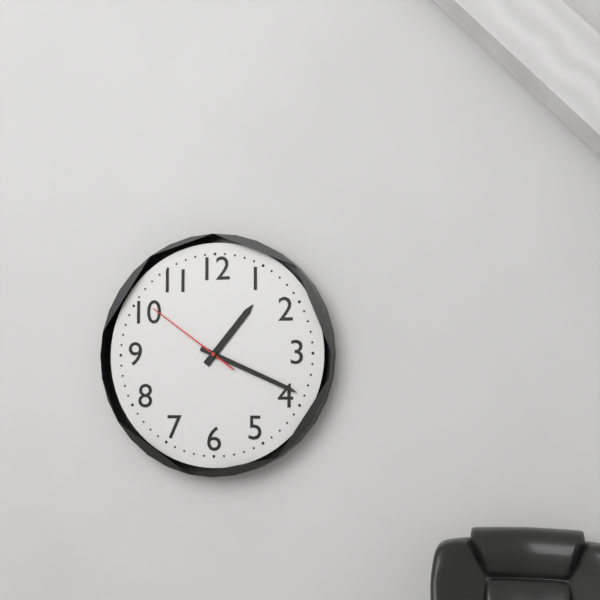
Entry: **1:19:51**
